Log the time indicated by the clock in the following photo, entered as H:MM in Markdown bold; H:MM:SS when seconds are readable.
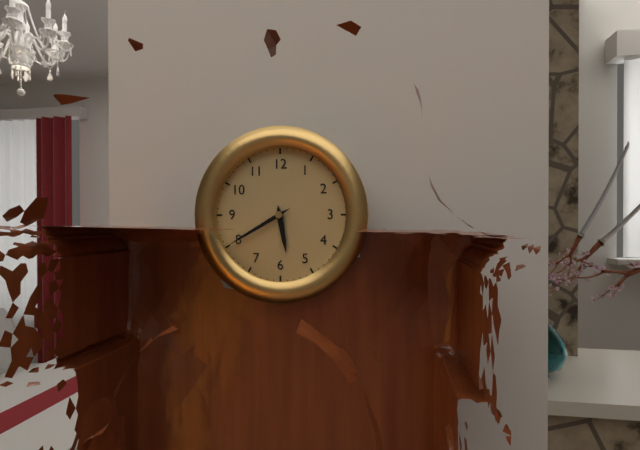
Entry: **5:40**
